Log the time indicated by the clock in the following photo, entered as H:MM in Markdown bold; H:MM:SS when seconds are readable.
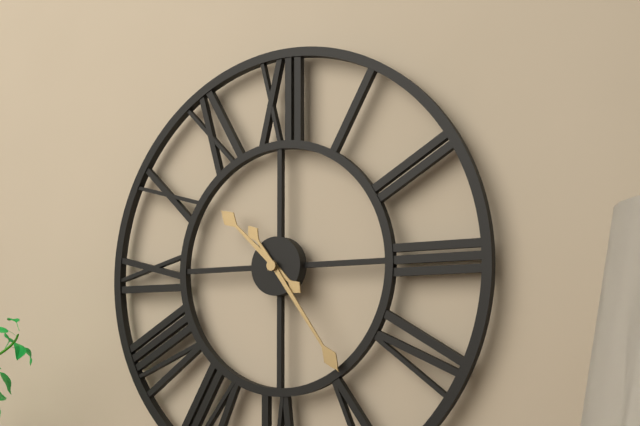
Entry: **10:24**
